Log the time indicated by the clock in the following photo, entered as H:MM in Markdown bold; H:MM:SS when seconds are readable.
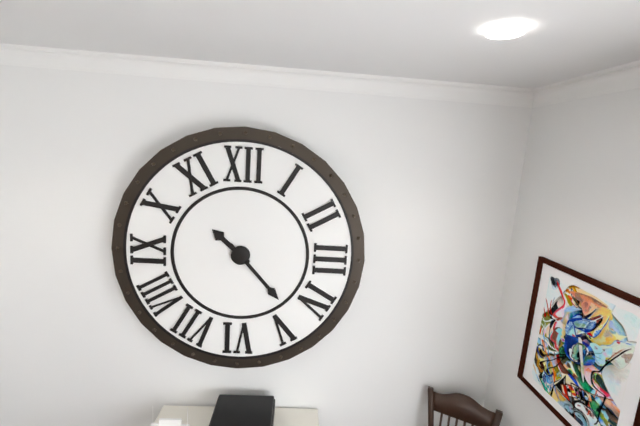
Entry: **10:23**
